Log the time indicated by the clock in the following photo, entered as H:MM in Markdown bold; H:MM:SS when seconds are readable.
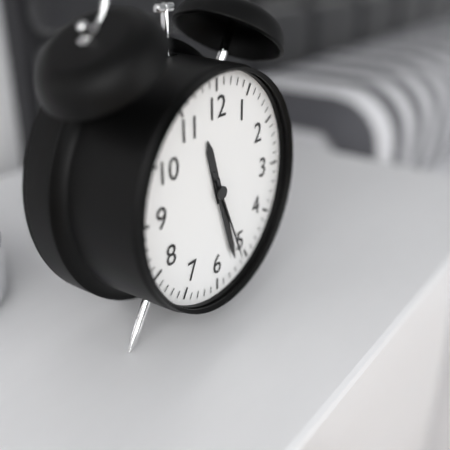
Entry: **11:27:26**
